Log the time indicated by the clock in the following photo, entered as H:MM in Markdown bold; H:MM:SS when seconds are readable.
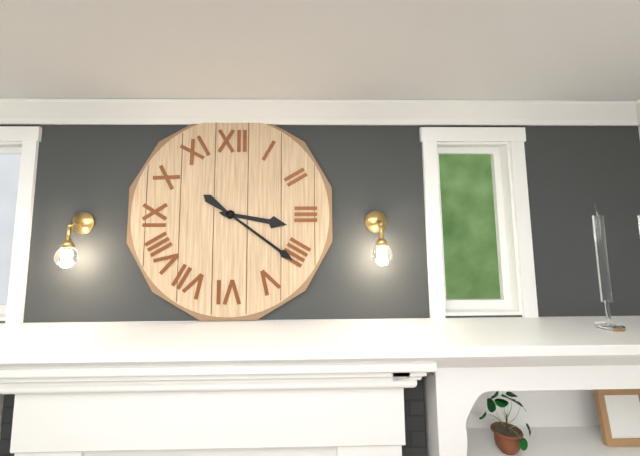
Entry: **3:21**
